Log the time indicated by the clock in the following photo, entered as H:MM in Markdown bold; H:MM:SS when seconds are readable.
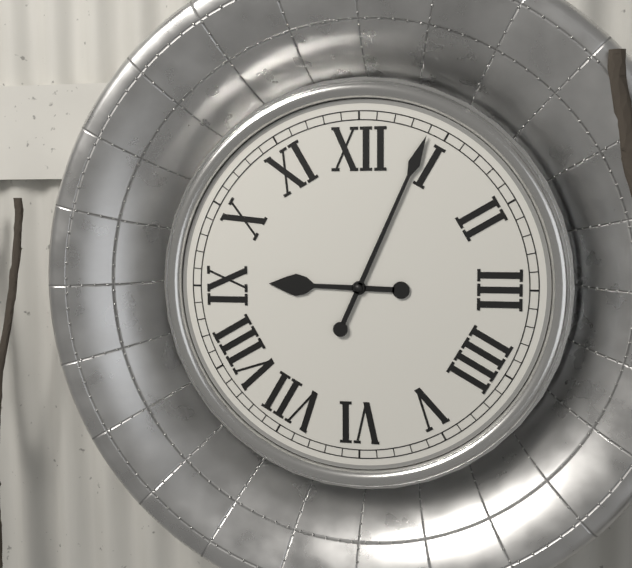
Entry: **9:04**
